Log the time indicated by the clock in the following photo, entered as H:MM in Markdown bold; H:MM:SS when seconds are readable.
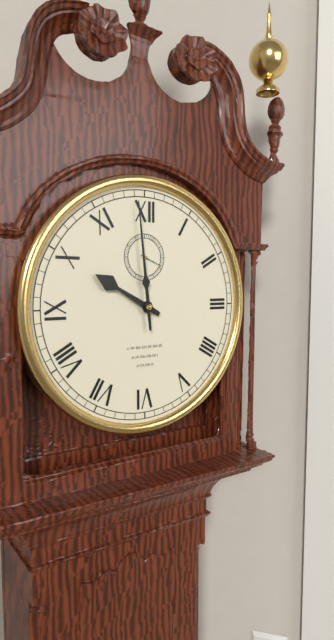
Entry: **9:59**
